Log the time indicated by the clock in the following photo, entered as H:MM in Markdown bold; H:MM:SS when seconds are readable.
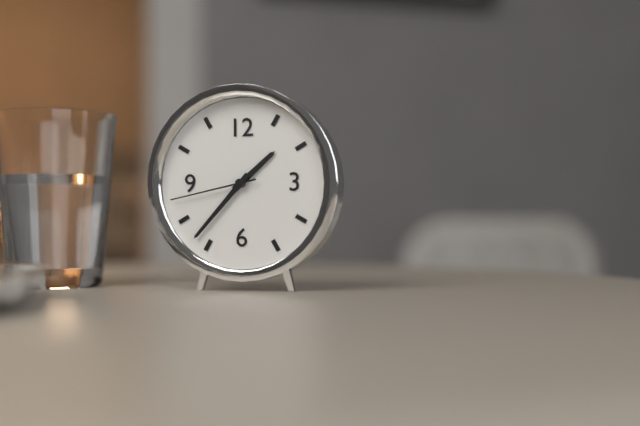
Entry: **1:37:43**
